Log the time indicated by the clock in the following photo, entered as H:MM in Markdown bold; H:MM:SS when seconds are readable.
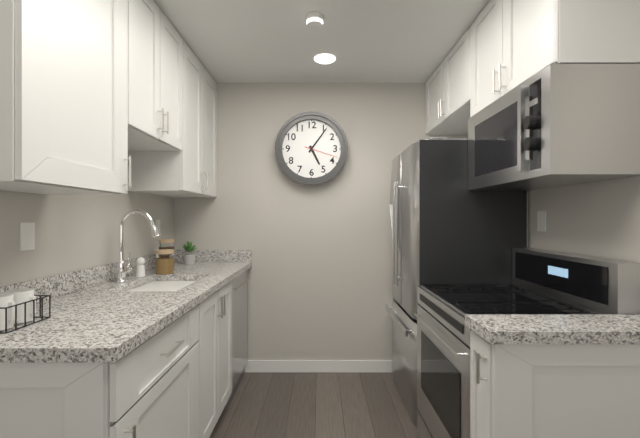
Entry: **5:06**
